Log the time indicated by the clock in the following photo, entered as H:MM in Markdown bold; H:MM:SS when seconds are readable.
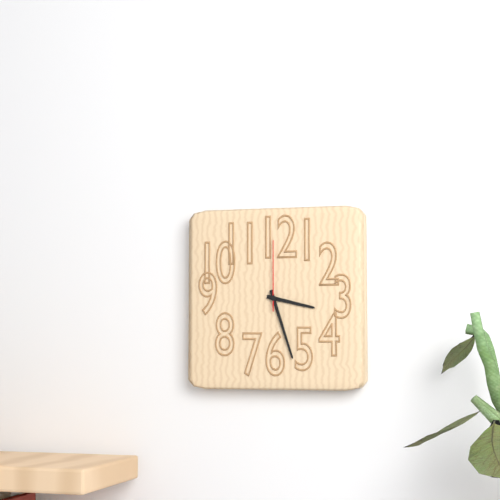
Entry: **3:27:00**
